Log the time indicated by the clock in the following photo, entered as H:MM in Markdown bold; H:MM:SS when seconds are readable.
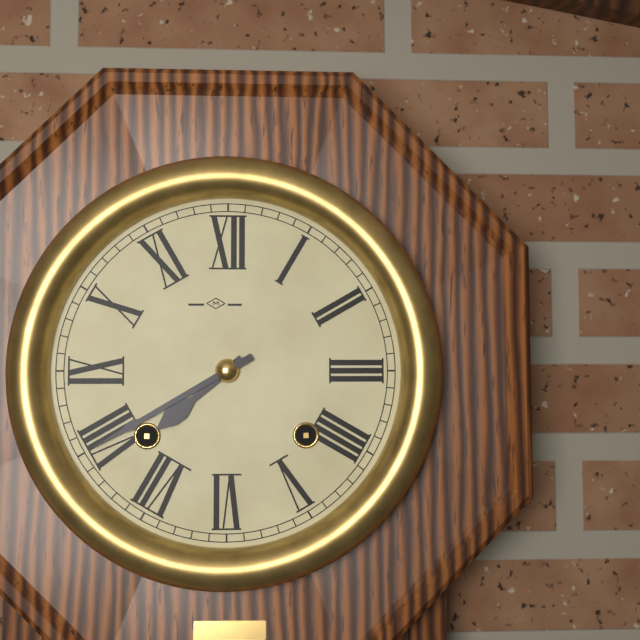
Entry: **7:40**
